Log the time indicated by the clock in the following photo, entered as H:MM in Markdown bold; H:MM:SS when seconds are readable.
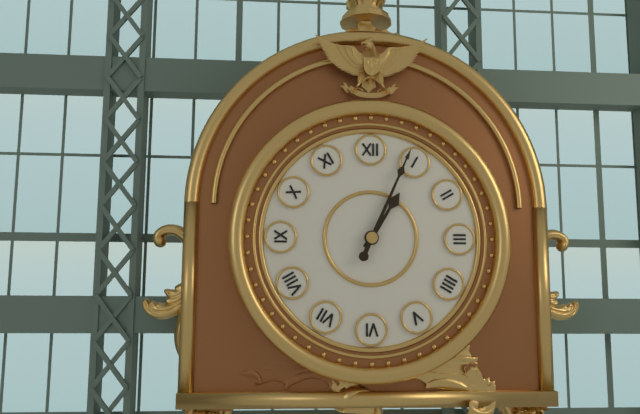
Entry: **1:04**
